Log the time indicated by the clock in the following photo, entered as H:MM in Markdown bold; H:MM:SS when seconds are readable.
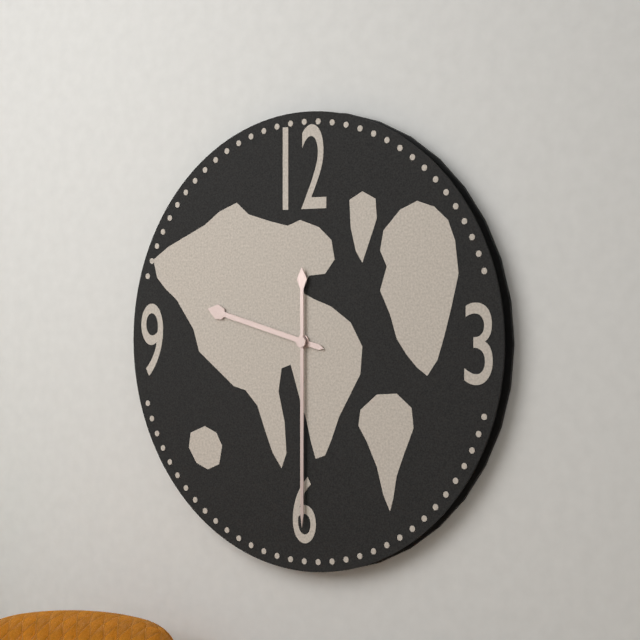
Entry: **9:30**
